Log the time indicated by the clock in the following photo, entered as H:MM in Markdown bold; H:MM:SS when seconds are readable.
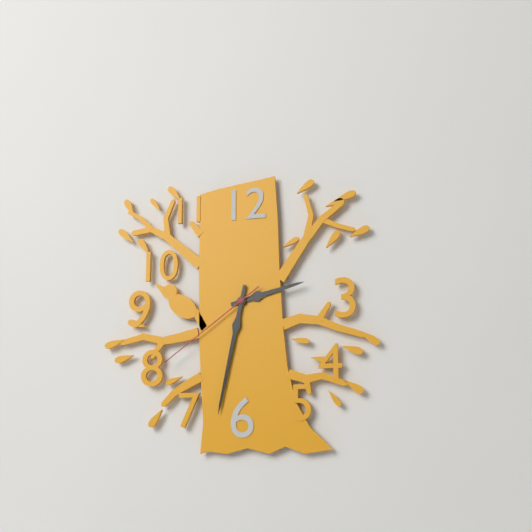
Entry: **2:32:39**
